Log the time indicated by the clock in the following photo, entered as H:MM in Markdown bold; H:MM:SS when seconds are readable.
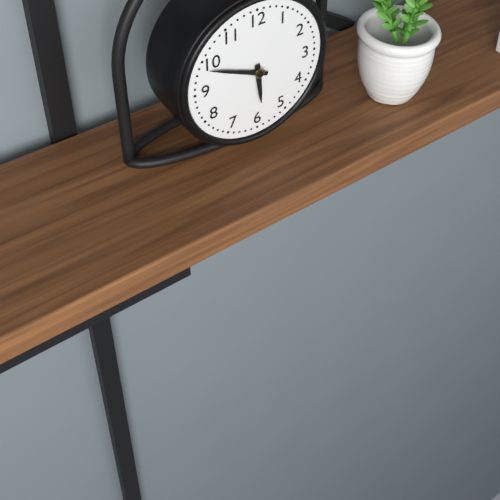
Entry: **5:49**
